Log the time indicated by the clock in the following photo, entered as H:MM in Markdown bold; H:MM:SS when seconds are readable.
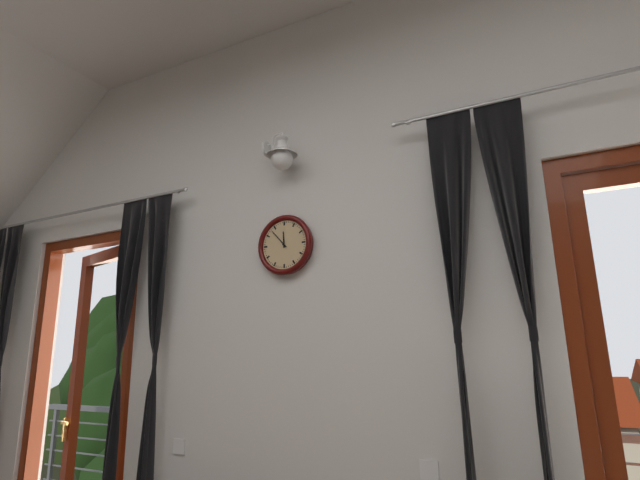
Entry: **11:53**
